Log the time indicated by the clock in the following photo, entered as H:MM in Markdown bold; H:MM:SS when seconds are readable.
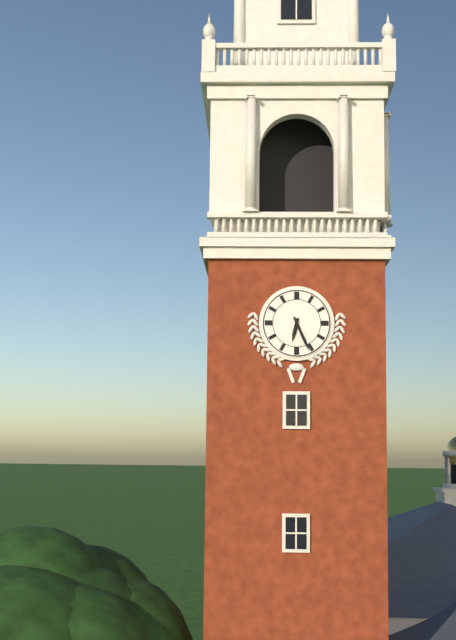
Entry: **6:26**
